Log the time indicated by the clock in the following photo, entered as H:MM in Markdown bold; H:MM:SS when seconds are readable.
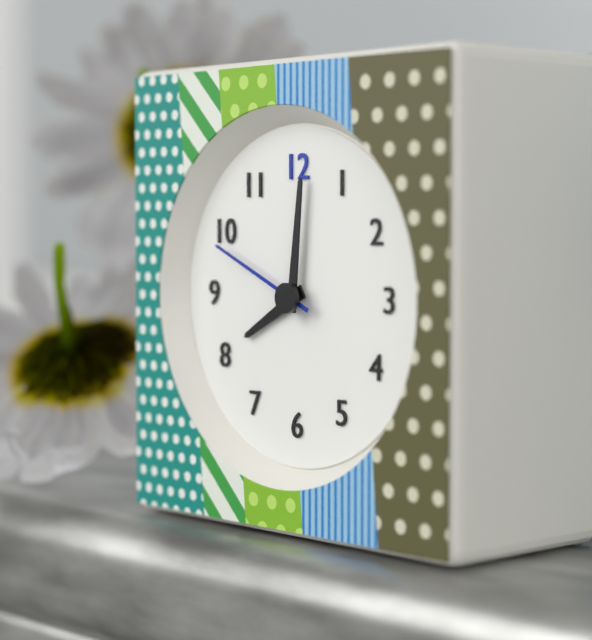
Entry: **8:01:49**
